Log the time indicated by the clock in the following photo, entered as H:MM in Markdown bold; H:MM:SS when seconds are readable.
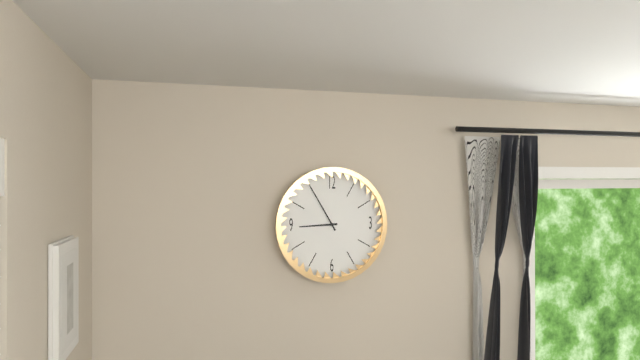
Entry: **8:55**
